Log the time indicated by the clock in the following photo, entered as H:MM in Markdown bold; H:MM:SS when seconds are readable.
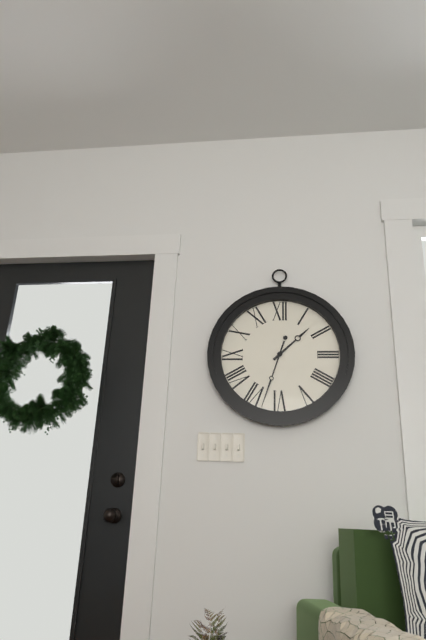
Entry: **1:33**
